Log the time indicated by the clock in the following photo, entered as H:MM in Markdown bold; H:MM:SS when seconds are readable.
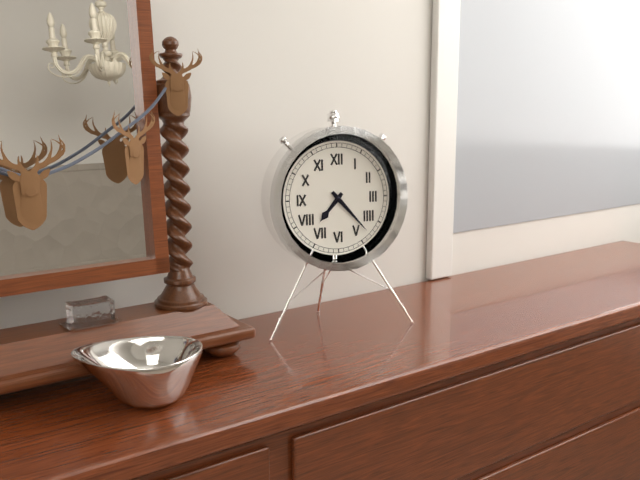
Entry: **7:23**
